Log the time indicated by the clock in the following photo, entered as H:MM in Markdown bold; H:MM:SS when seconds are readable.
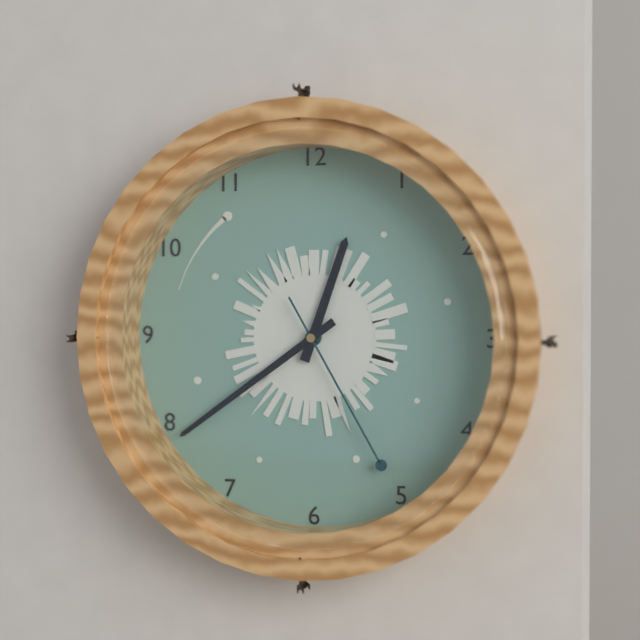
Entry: **12:39:25**
